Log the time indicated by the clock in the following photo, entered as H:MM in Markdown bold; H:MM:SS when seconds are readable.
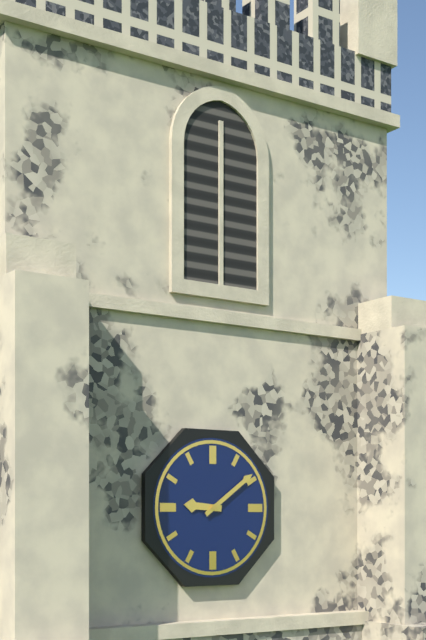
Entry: **9:09**
